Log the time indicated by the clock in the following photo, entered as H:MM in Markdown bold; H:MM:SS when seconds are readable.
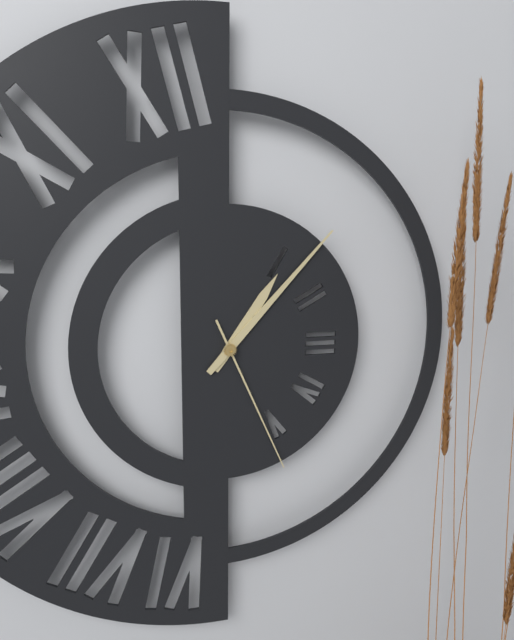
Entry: **1:07:26**
